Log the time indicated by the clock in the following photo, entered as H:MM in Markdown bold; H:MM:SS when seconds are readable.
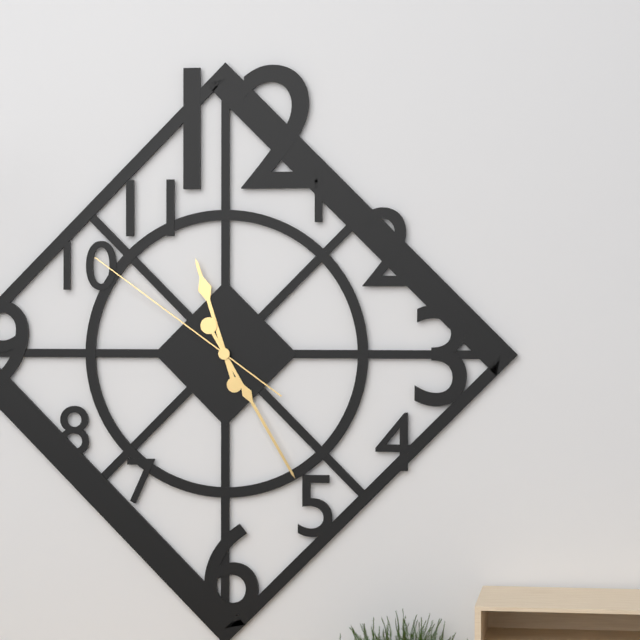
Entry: **11:25:51**
